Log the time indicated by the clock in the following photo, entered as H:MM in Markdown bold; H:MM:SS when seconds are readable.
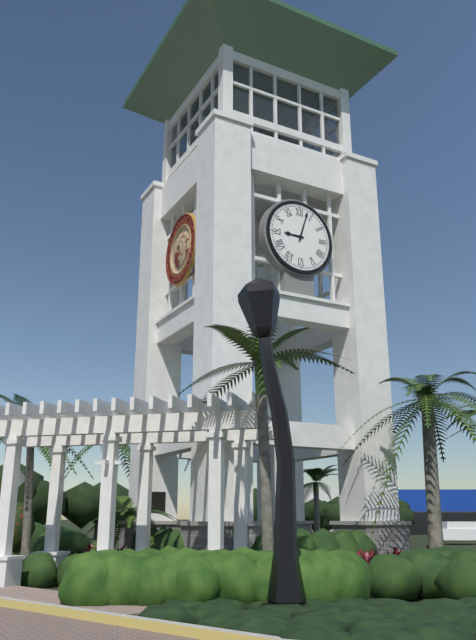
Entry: **9:03**
